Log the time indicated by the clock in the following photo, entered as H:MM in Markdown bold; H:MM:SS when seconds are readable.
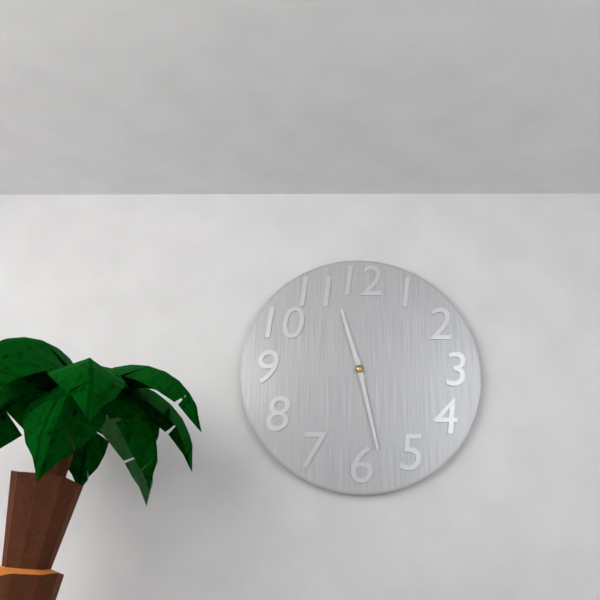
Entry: **11:28**
